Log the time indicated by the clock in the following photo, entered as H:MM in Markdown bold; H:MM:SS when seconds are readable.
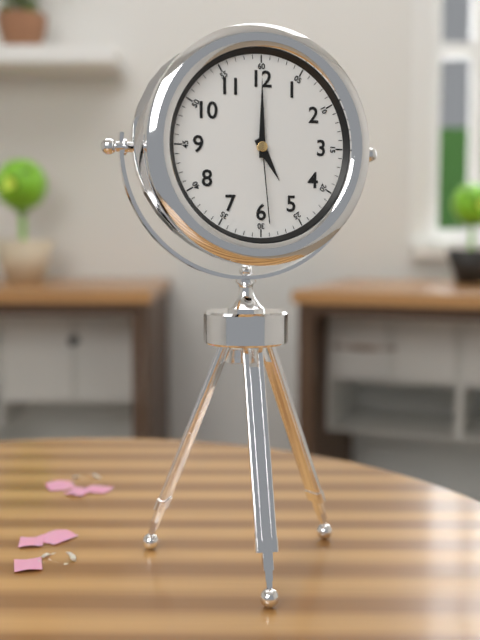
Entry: **5:00:29**
